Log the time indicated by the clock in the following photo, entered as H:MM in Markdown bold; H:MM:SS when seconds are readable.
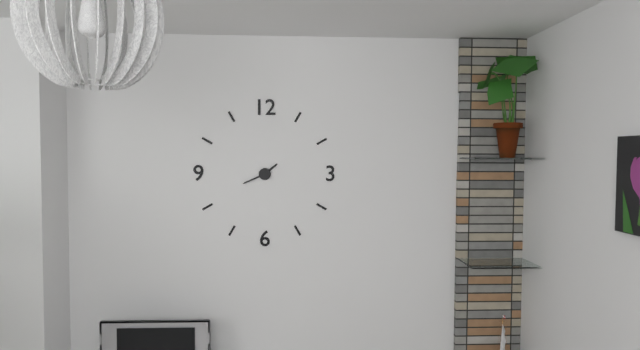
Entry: **1:41**
